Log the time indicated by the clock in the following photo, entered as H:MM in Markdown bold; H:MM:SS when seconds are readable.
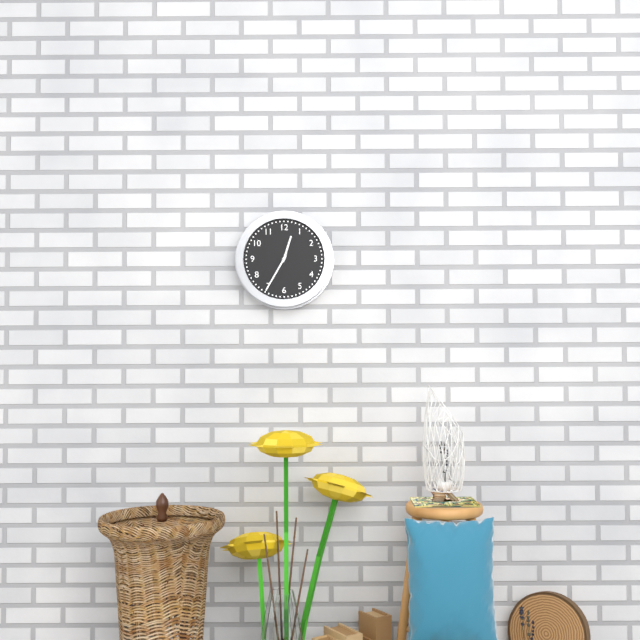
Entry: **12:35**
